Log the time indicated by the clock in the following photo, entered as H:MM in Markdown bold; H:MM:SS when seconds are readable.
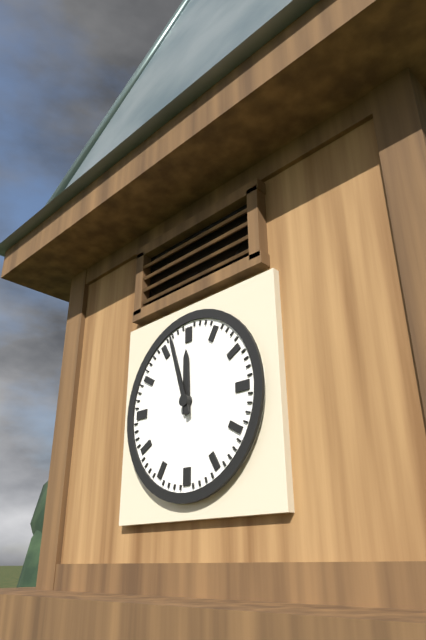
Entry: **11:57**
